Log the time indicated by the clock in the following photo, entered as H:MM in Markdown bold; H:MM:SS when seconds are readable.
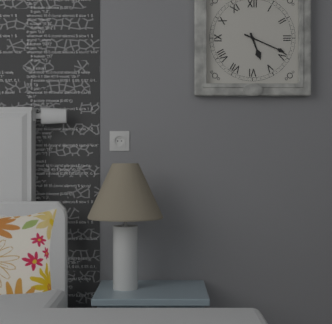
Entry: **5:19**
